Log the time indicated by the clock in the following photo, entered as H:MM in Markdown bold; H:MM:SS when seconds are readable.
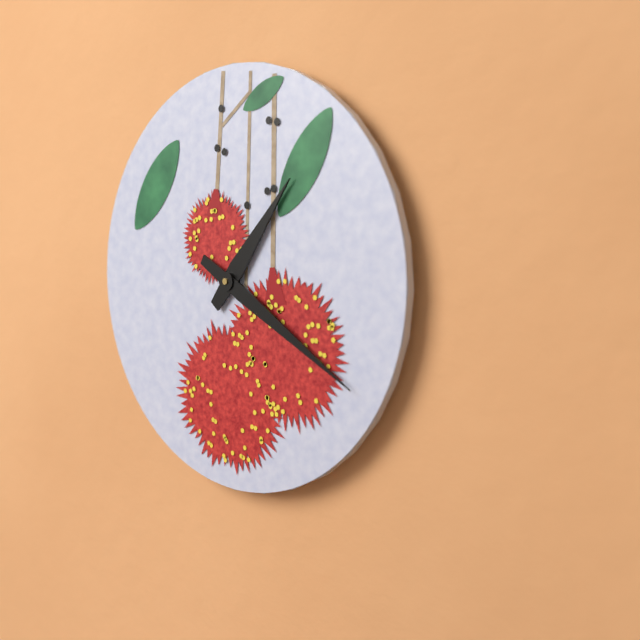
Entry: **1:20**
